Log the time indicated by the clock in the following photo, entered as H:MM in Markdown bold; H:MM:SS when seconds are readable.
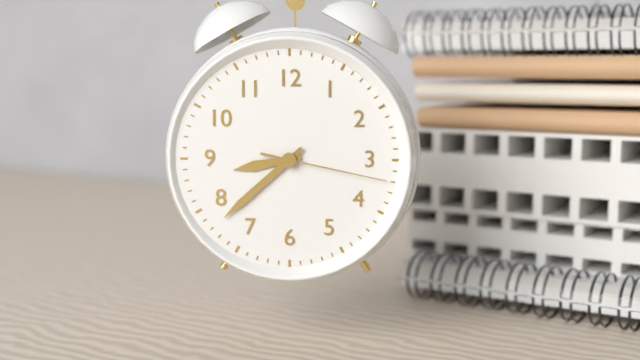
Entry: **8:38:17**
